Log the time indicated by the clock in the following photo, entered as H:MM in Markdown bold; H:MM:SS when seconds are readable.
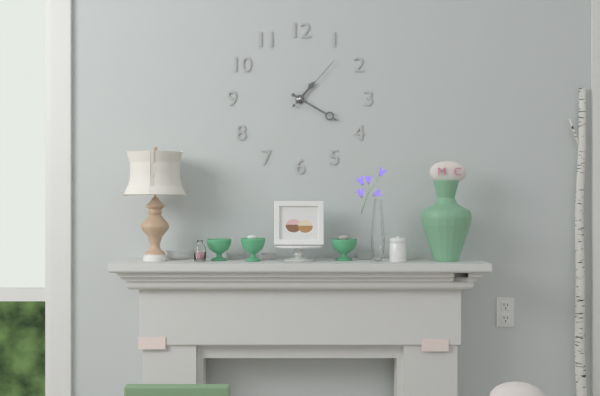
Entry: **1:20:07**
